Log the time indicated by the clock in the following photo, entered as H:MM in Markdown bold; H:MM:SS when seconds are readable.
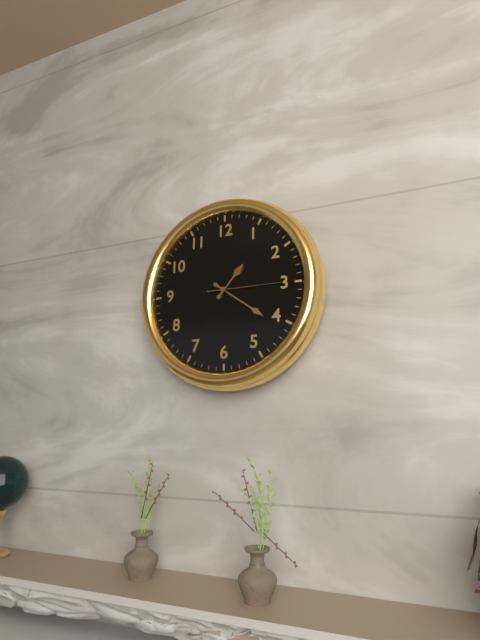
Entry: **1:21:15**
